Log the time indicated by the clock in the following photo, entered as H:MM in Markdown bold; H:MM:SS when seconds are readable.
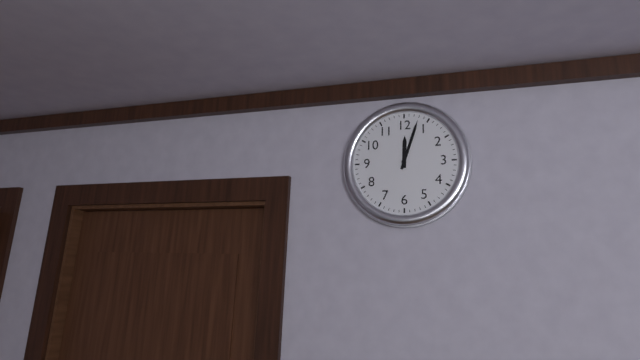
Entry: **12:03**
